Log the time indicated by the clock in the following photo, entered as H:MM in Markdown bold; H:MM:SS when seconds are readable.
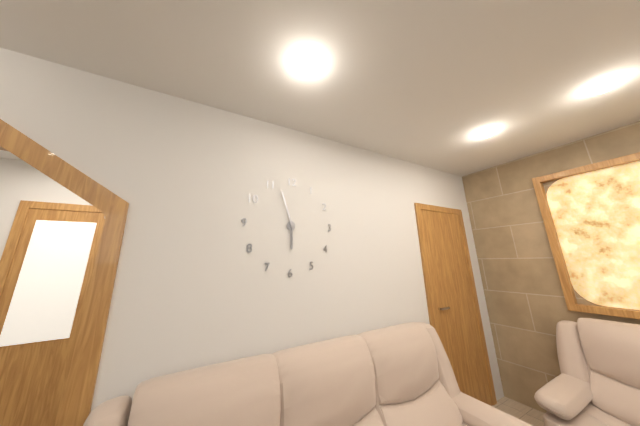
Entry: **5:57**
